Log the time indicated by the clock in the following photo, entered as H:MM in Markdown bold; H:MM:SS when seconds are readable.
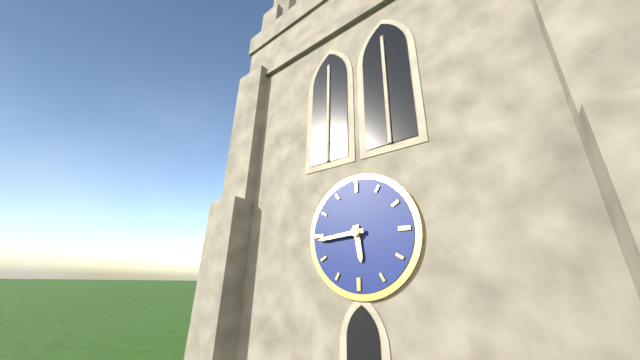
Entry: **5:44**
